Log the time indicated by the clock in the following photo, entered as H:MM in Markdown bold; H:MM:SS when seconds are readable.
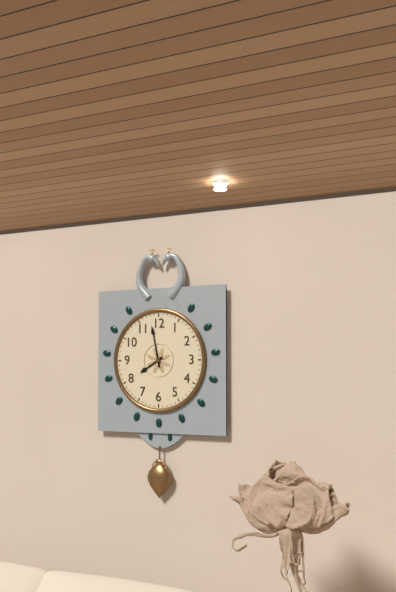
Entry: **7:58**
